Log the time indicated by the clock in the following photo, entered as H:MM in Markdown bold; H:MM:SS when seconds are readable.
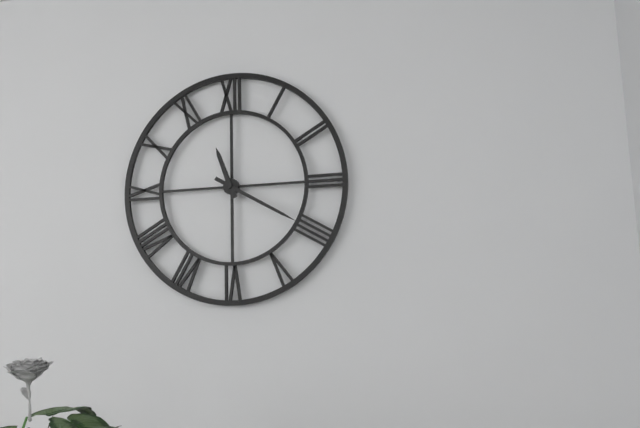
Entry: **11:20**
